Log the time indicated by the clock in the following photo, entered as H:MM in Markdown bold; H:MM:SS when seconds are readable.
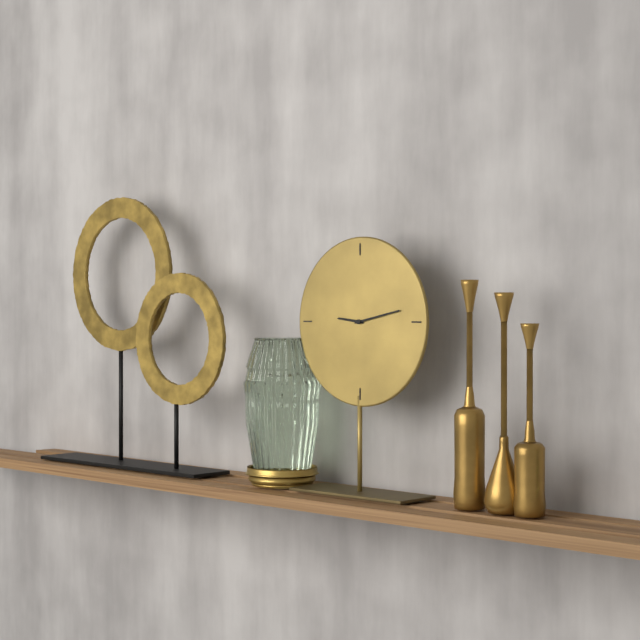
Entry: **9:13**
